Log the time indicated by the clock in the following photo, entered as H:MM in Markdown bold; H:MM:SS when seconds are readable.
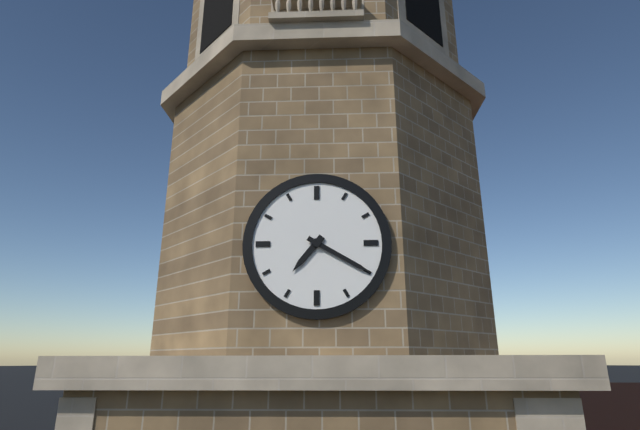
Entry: **7:20**
